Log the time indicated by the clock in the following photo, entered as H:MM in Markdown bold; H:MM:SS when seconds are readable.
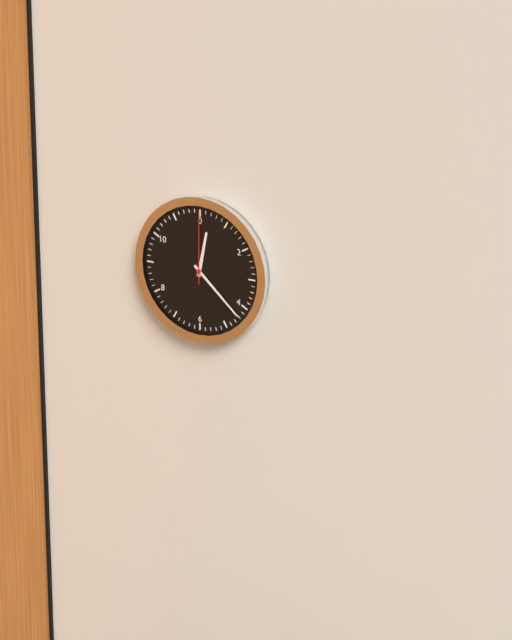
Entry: **12:22:00**
